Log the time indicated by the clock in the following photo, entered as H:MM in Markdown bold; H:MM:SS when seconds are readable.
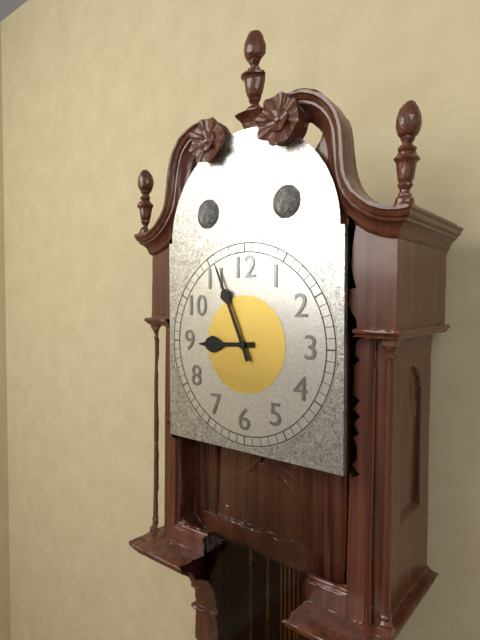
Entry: **8:56**
